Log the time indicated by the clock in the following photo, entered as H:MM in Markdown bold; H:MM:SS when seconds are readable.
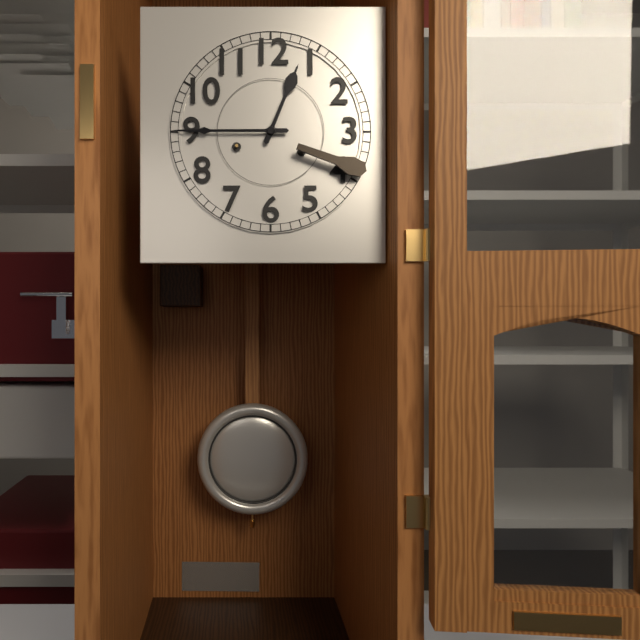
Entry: **12:45**
